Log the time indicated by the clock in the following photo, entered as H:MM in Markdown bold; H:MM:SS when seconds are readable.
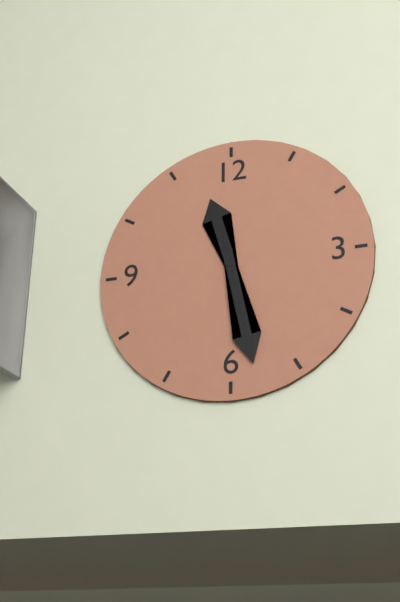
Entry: **11:28**
